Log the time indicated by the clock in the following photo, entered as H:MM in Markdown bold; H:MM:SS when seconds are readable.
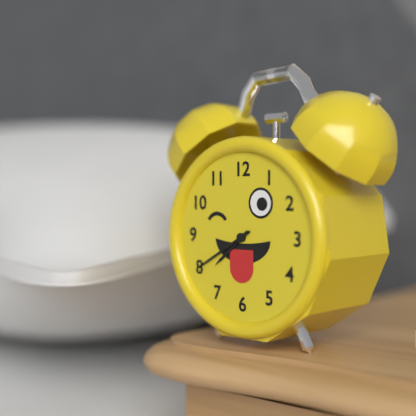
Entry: **7:40**
